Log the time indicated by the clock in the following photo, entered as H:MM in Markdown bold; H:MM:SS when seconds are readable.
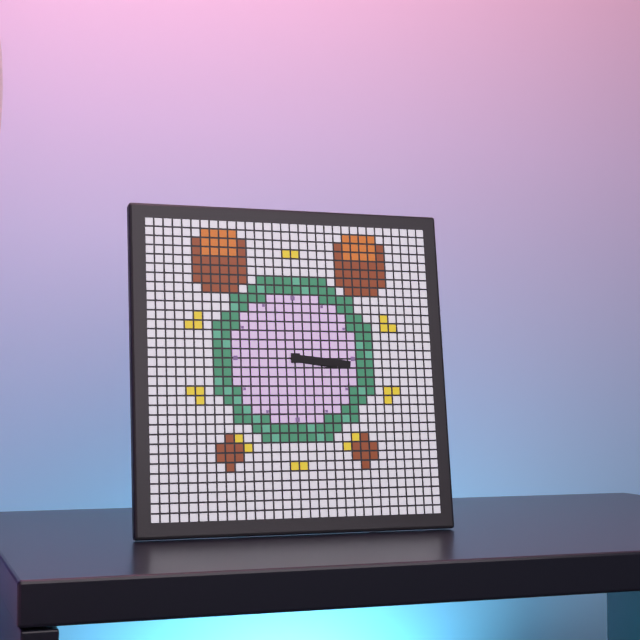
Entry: **3:16**
